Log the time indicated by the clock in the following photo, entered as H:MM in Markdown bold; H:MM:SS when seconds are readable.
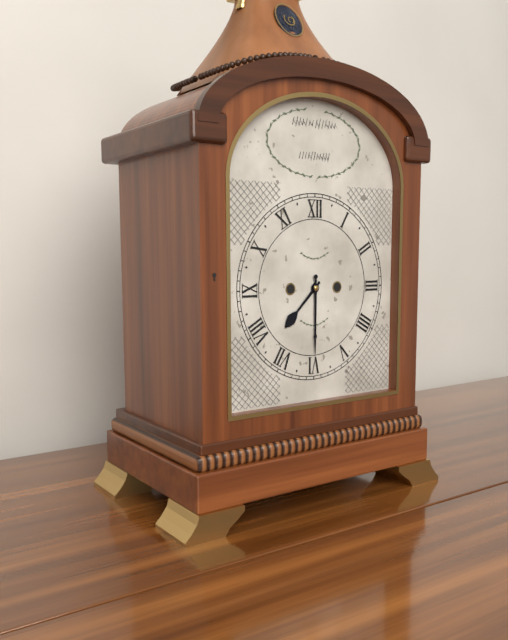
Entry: **7:30**
